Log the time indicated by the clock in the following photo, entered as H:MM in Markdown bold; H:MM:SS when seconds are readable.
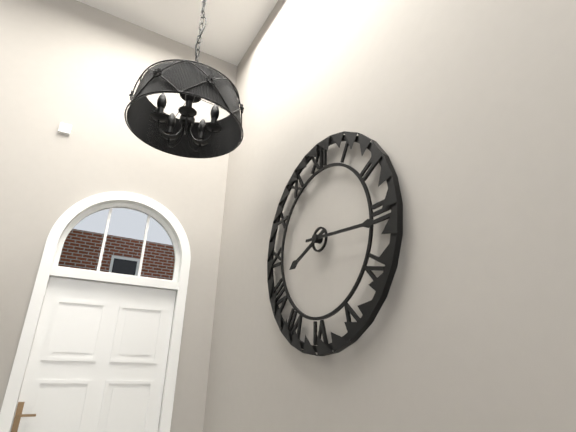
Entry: **8:16**
